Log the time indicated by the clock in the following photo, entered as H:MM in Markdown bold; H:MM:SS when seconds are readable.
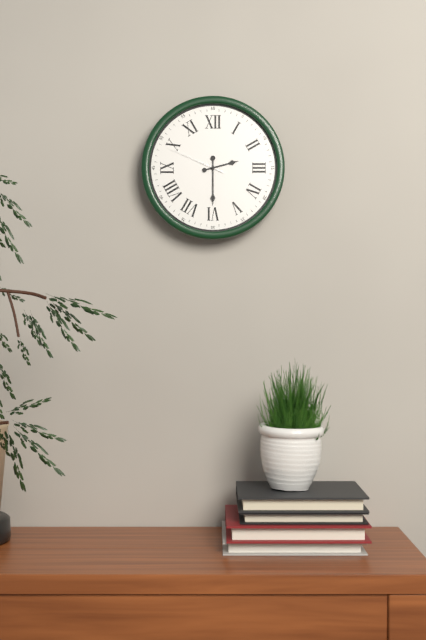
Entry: **2:30:49**
